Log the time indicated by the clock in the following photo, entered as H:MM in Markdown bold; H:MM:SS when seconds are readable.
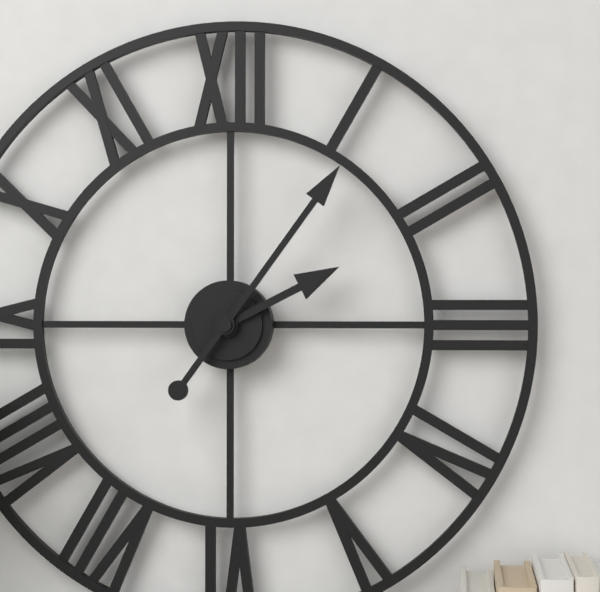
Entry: **2:06**
